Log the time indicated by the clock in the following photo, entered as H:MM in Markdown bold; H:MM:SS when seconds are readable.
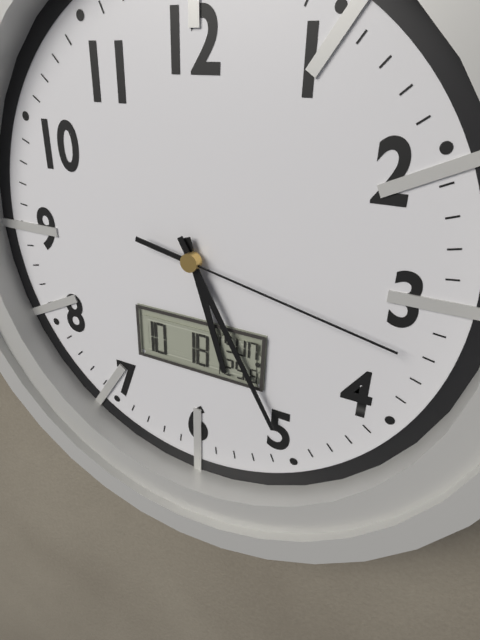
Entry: **5:25:17**
